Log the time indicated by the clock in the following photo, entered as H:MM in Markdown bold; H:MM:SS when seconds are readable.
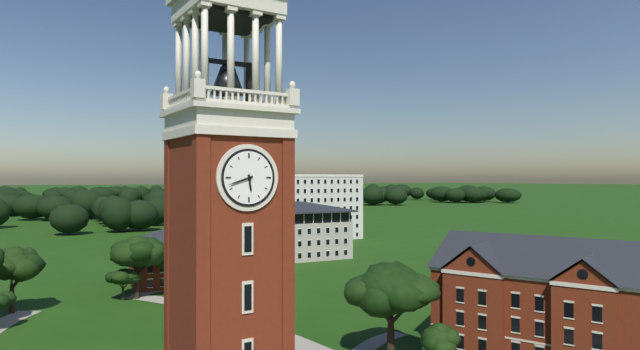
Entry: **5:42**
